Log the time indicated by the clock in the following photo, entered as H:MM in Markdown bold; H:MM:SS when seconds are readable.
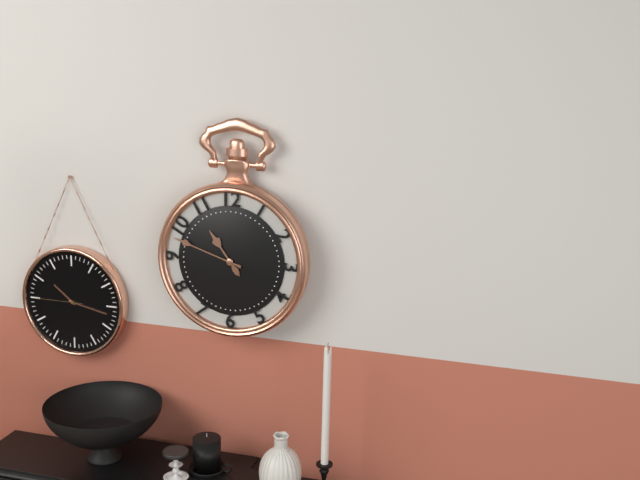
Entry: **10:48**
